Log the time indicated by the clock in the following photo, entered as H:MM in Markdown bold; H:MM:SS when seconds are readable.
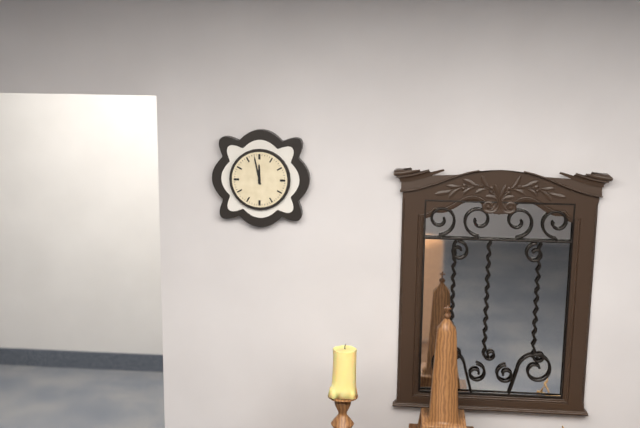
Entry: **11:58**
